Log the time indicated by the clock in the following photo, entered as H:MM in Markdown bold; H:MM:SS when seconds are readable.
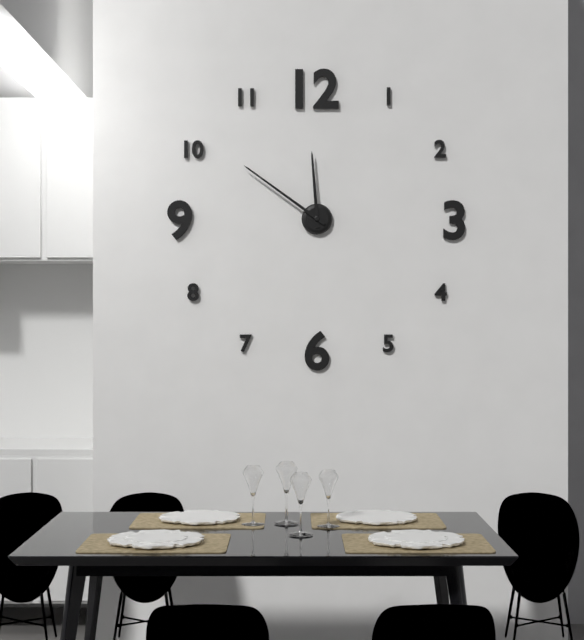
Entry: **11:51**
